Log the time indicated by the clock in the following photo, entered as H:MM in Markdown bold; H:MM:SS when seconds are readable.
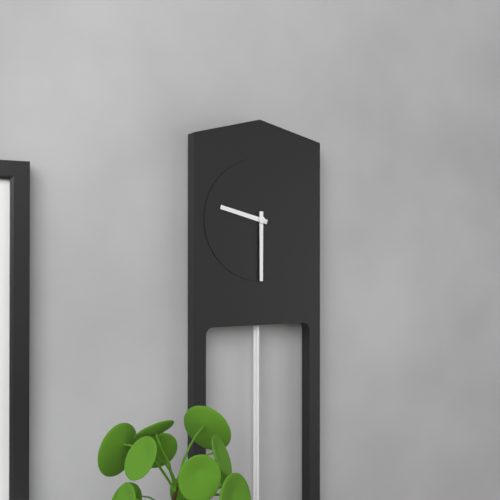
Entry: **9:30**
